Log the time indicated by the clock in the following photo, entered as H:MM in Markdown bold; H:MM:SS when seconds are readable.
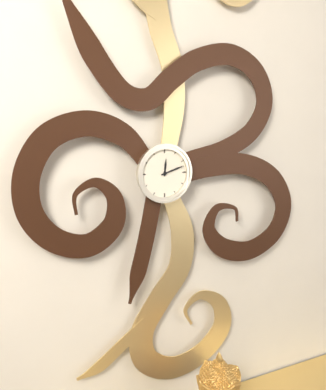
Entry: **12:12**
